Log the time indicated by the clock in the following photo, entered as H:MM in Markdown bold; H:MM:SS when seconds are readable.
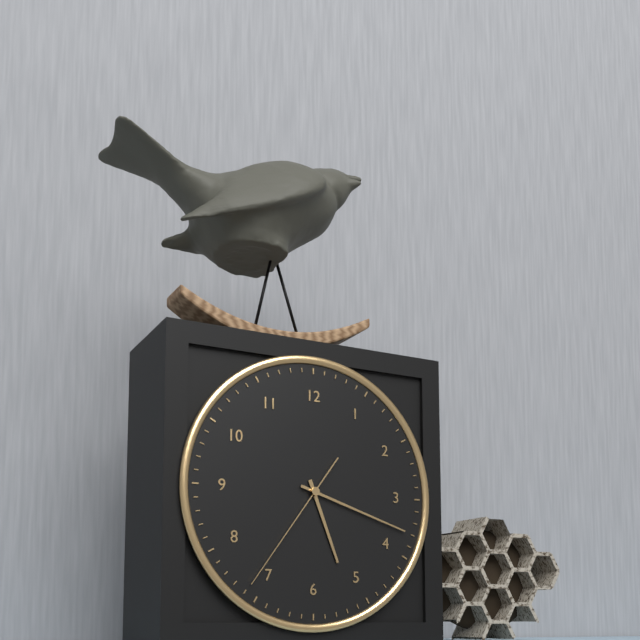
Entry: **5:18:36**
